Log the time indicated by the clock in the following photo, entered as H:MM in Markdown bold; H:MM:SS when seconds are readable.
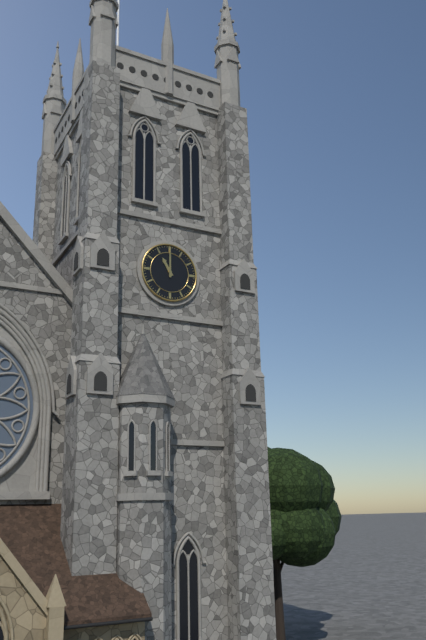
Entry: **11:00**
